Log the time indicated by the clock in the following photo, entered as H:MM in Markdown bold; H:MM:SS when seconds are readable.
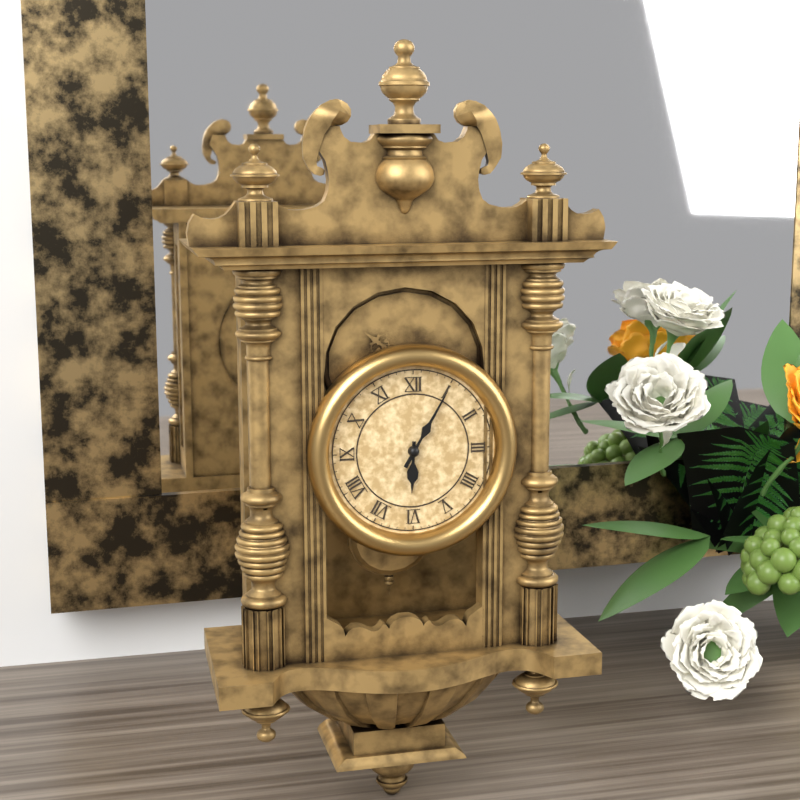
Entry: **6:05**
